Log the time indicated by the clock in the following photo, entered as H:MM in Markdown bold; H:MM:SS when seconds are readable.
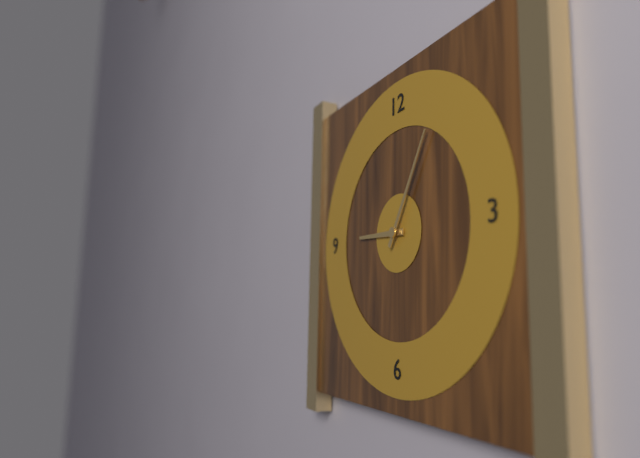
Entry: **9:05**
